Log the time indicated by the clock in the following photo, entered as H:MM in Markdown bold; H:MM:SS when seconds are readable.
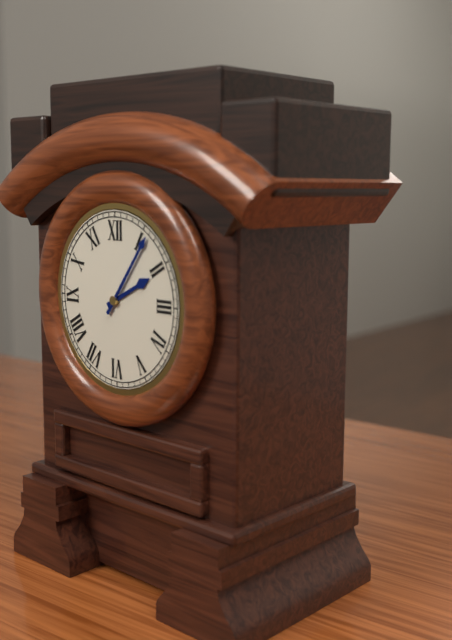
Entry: **2:06**
